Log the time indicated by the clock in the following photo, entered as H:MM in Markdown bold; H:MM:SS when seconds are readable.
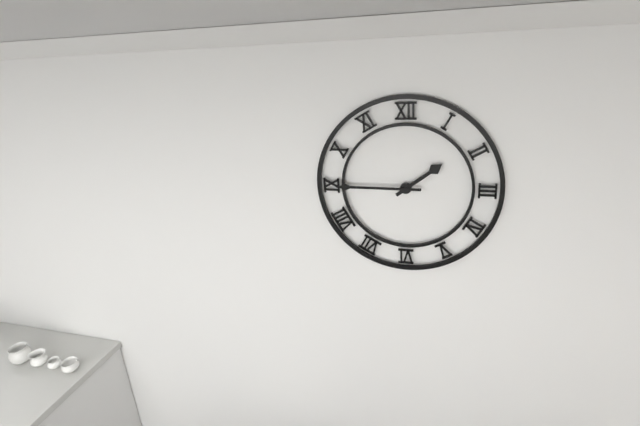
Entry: **1:45**
